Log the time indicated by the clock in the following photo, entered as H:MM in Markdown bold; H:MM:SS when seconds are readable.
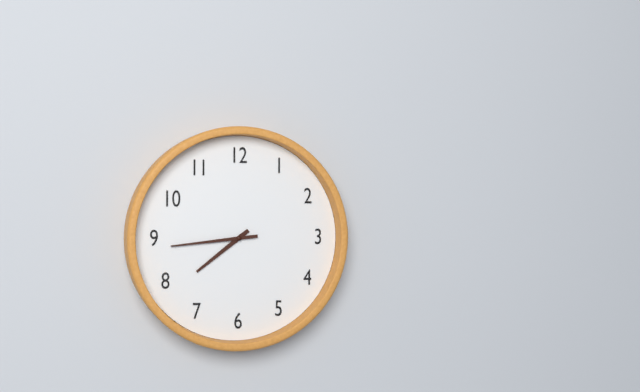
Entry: **7:44**
